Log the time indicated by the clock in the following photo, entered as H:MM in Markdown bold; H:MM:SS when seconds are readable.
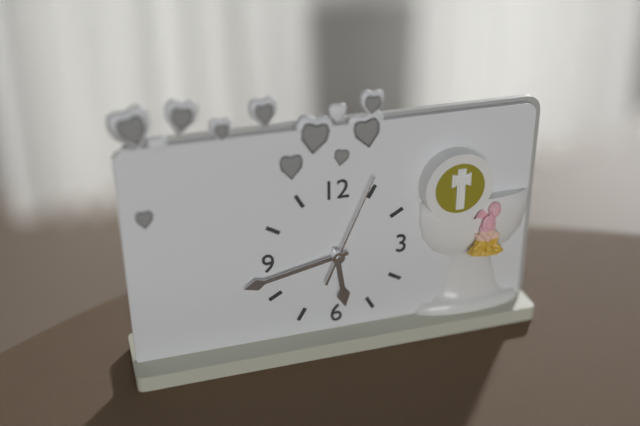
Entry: **5:43:04**
